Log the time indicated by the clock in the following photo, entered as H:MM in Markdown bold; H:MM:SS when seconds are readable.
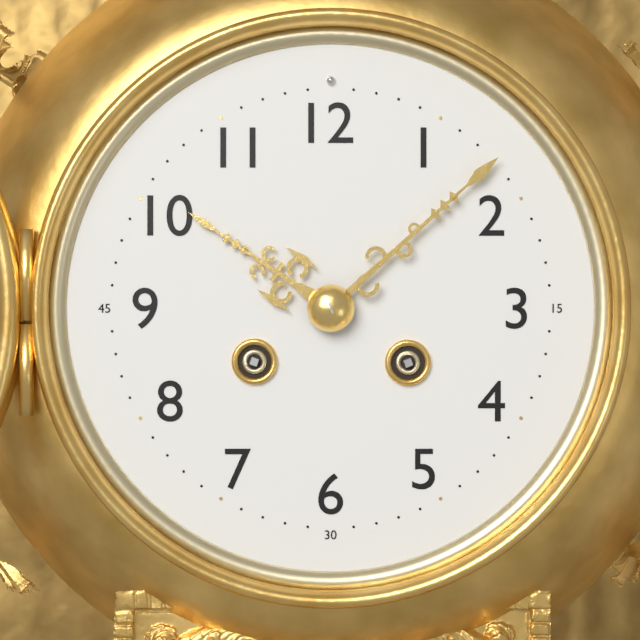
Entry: **10:08**
